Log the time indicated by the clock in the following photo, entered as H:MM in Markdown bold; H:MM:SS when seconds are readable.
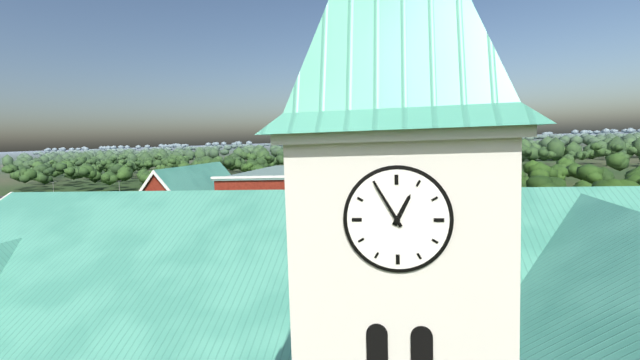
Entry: **12:55**
